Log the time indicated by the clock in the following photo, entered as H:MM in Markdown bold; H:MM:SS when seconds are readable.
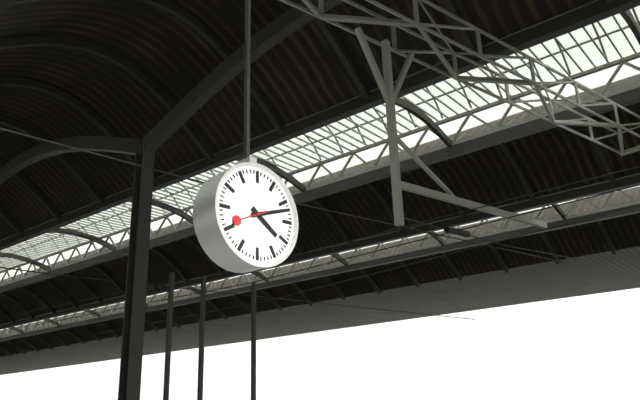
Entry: **4:12**
